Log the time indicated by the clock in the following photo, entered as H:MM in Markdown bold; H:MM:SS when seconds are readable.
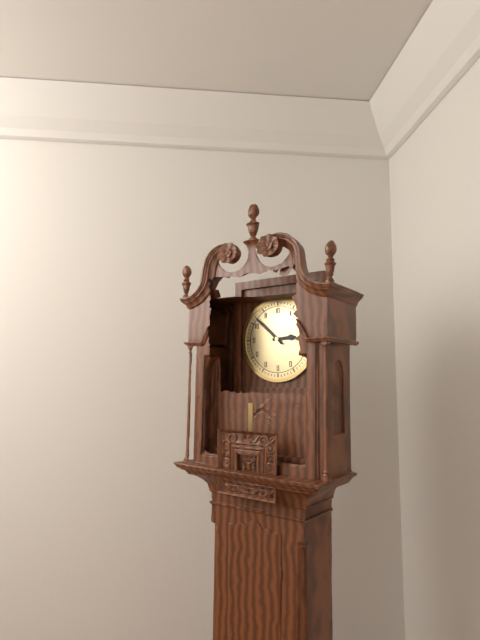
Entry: **2:52**
